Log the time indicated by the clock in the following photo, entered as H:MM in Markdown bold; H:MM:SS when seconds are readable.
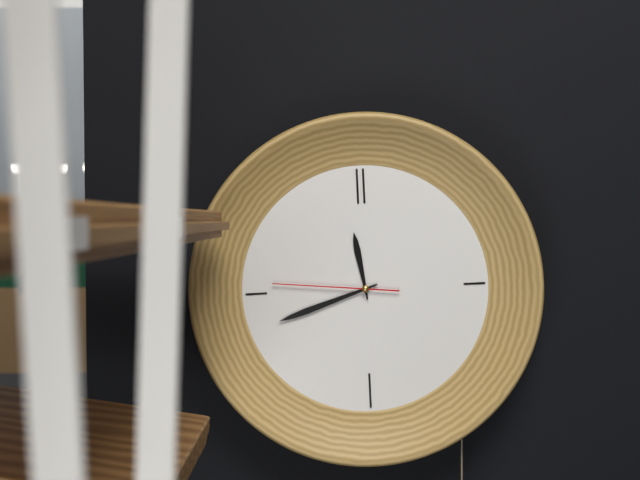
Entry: **11:42:46**
